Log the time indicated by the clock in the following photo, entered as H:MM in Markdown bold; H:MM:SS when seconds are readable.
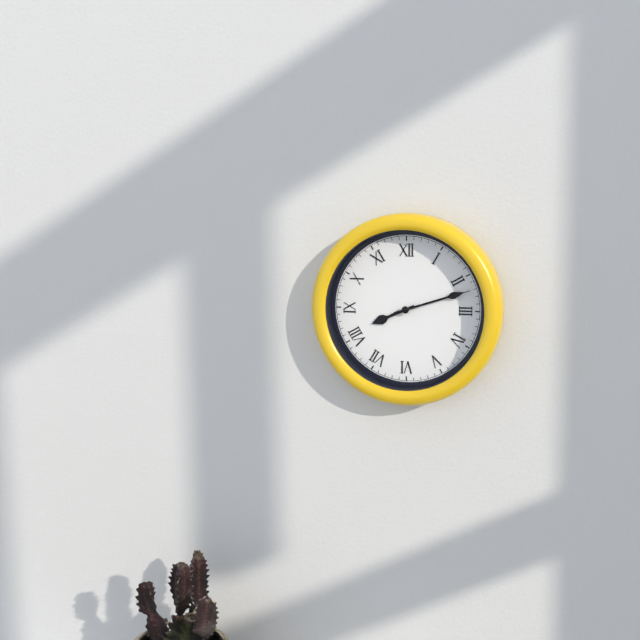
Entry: **8:12:12**
